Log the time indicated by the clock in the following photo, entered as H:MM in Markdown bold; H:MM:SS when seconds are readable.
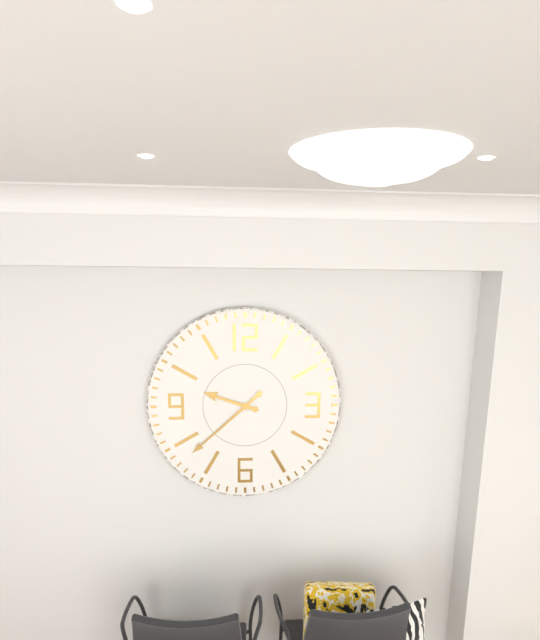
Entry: **9:38**
